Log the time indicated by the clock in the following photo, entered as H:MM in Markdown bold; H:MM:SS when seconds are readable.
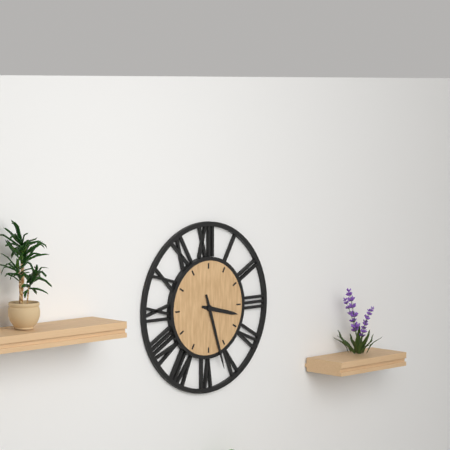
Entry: **3:27**
